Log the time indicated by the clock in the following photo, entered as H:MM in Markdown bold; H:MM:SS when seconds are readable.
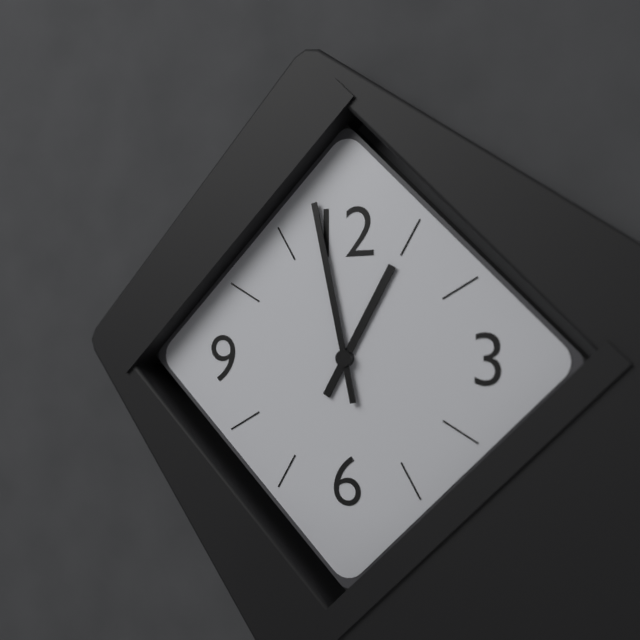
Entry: **12:58**
